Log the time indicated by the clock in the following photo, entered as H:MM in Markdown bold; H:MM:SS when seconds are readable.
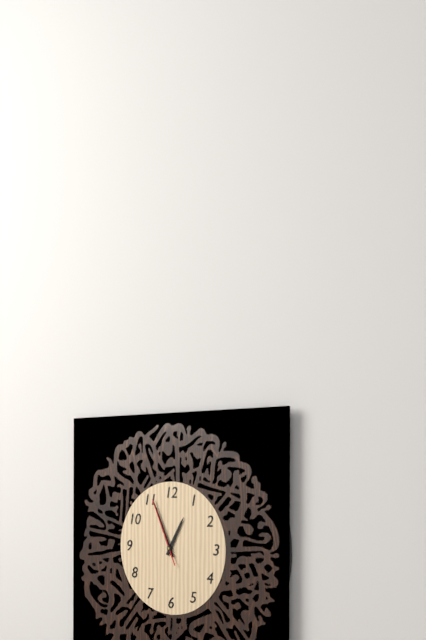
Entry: **12:56:56**
